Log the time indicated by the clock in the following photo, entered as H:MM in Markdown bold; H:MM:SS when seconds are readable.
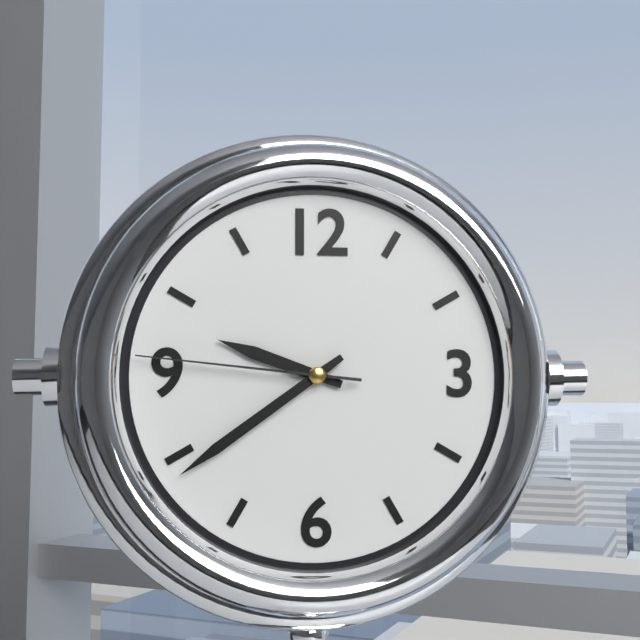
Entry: **9:39:46**
